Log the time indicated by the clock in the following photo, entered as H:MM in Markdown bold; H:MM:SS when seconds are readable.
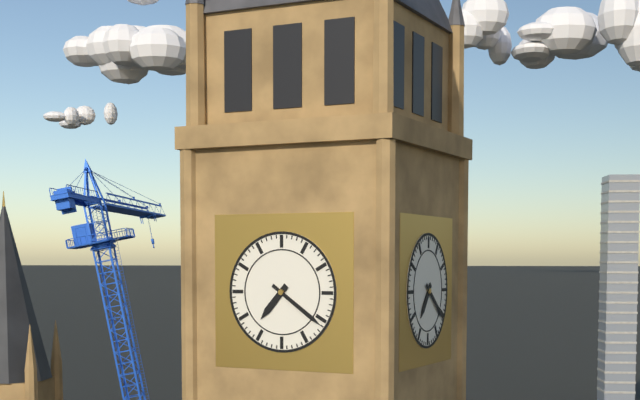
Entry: **7:21**
